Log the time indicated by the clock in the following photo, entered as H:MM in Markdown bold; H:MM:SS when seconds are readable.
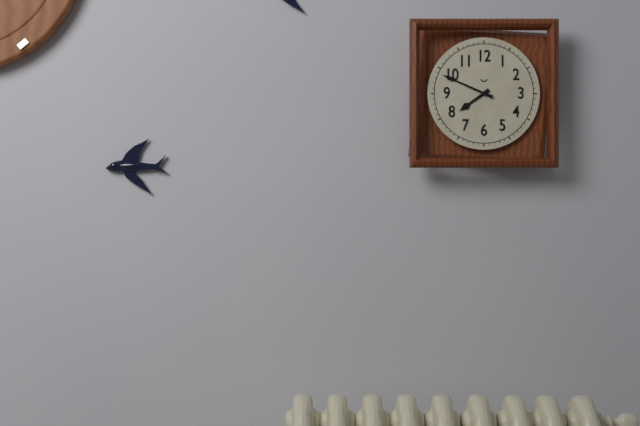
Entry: **7:49**
